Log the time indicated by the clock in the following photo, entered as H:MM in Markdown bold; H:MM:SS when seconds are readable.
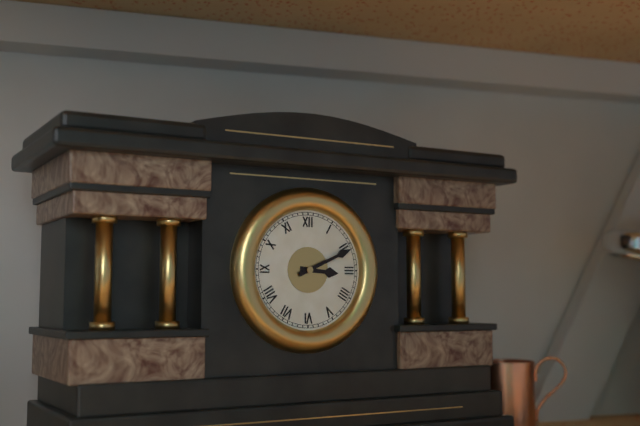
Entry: **3:11**
